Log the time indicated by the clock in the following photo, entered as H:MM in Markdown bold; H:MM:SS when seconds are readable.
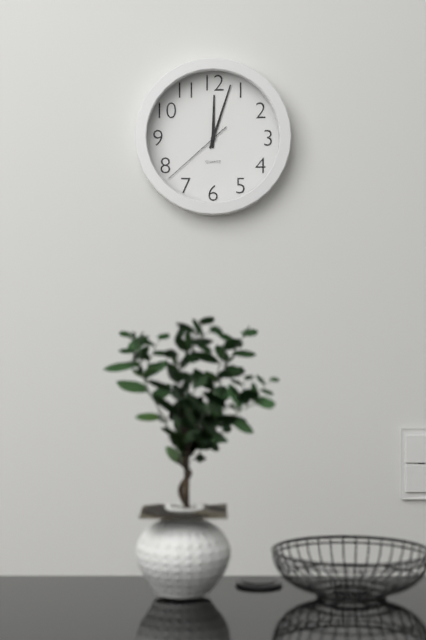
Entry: **12:03:38**
